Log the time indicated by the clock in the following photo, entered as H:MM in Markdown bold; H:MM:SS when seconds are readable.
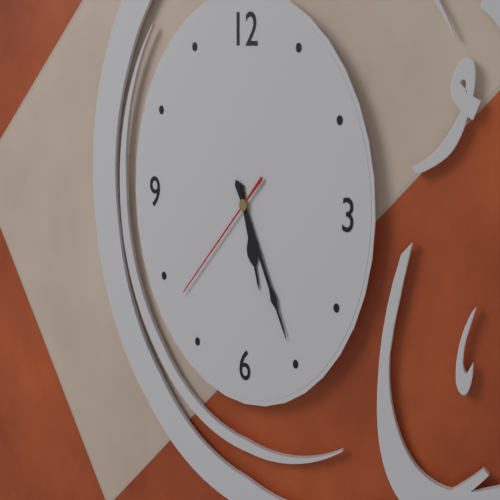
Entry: **5:25:38**
